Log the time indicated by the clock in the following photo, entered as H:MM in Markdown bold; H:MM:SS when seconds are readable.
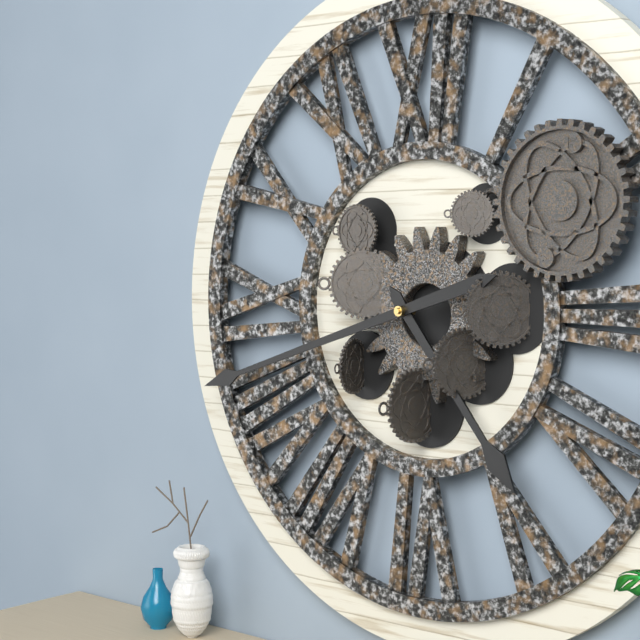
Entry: **4:42**
